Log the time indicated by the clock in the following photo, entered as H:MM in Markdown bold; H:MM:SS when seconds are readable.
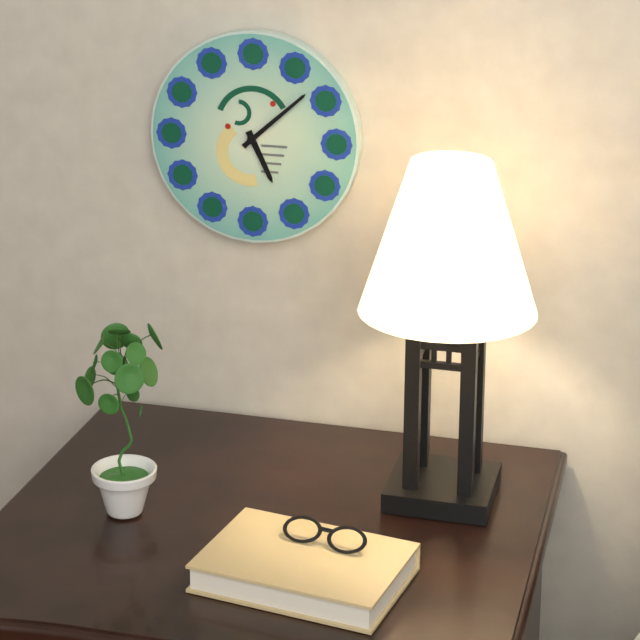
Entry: **5:08**
